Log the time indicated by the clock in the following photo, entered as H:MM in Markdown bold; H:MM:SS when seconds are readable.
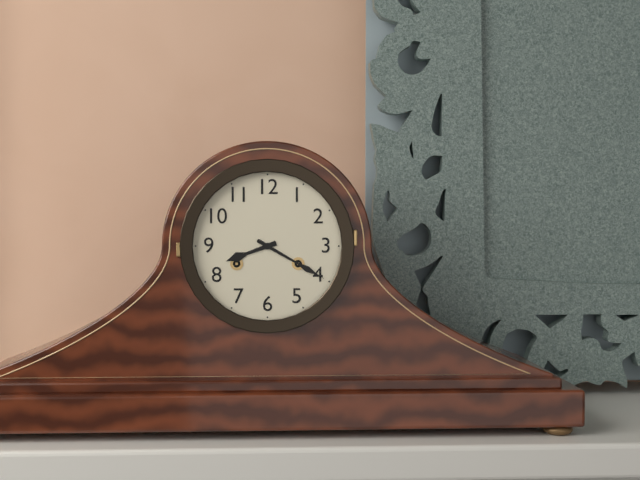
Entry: **8:20**
